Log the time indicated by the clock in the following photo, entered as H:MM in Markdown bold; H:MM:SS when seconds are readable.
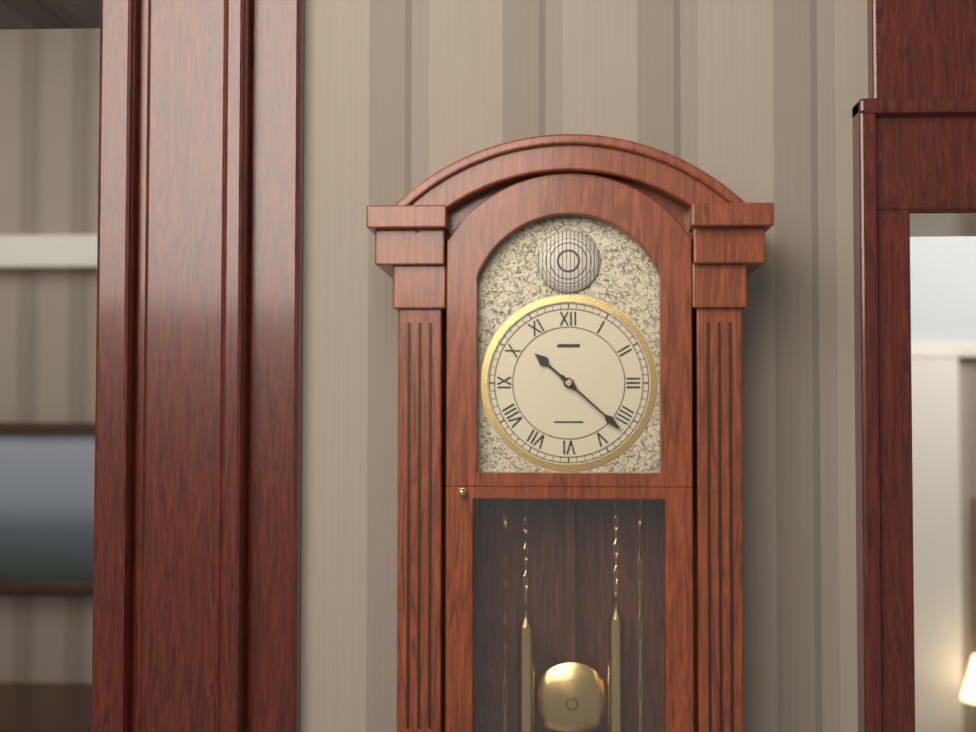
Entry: **10:22**
